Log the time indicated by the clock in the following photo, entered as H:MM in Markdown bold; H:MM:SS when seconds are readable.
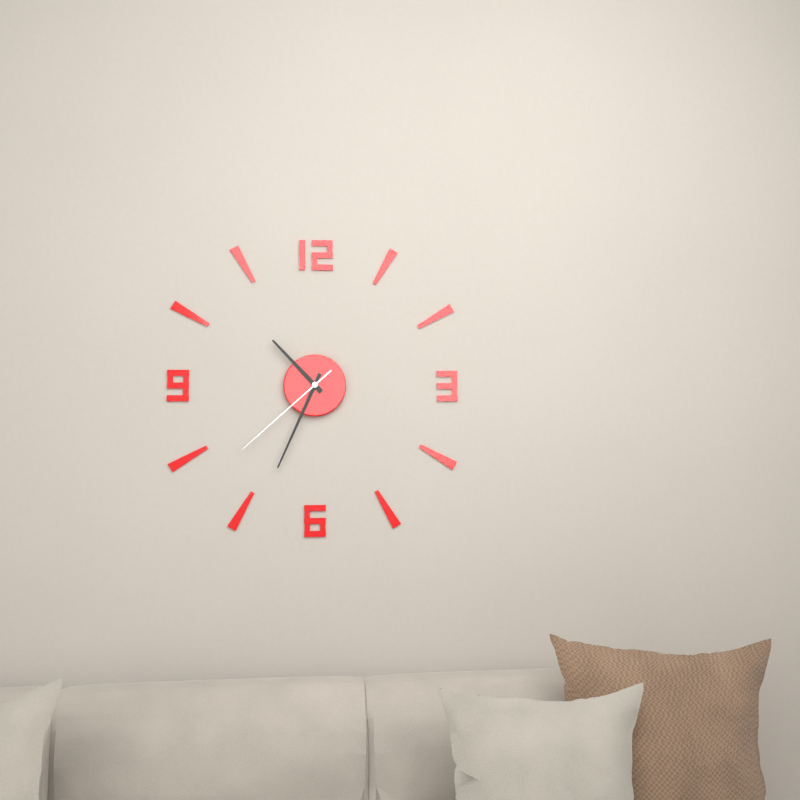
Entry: **10:34:38**
